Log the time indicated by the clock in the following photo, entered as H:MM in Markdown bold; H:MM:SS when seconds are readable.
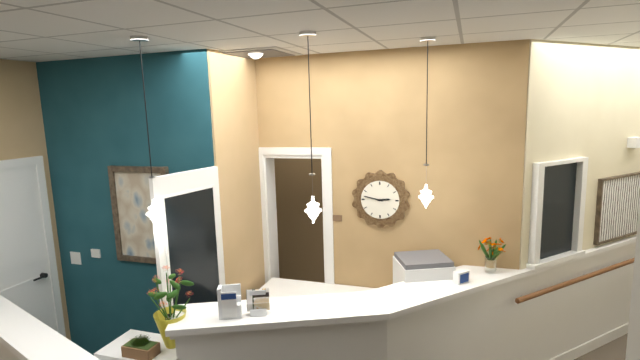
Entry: **2:47**
